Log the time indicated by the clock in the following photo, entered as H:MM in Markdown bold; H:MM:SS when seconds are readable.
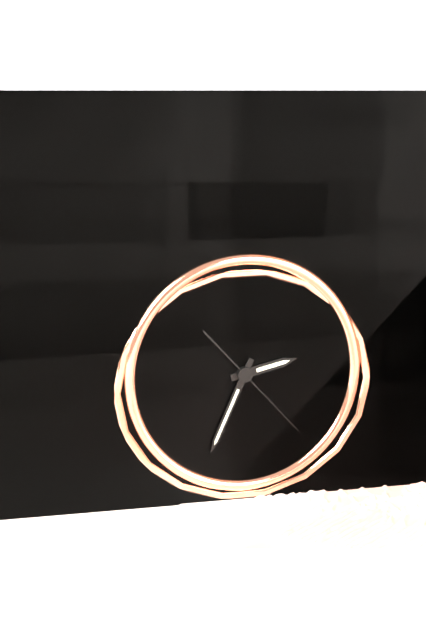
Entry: **2:34:23**
